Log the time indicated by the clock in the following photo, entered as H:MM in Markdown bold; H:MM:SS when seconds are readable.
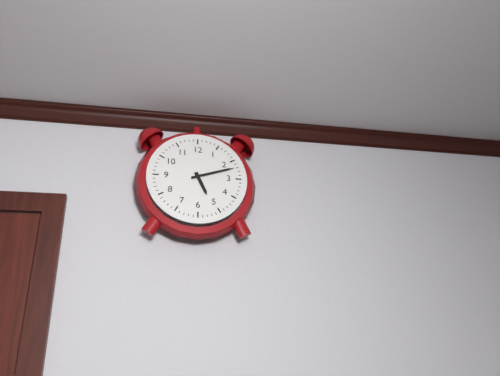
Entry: **5:12**
